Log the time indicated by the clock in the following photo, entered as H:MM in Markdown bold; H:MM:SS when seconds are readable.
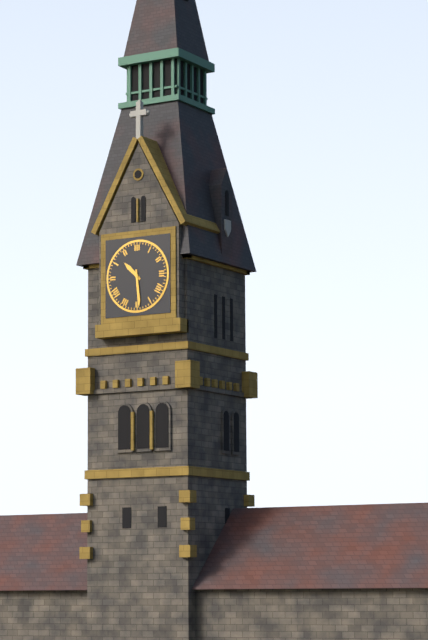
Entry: **10:29**
